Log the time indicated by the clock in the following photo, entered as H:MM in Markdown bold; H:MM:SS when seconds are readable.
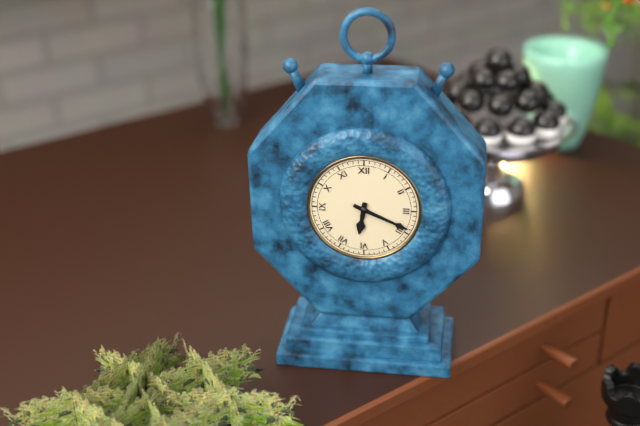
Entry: **6:19**
